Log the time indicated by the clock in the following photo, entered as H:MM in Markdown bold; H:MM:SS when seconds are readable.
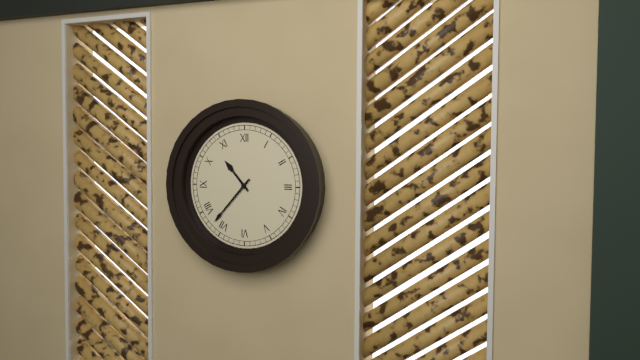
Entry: **10:37**
